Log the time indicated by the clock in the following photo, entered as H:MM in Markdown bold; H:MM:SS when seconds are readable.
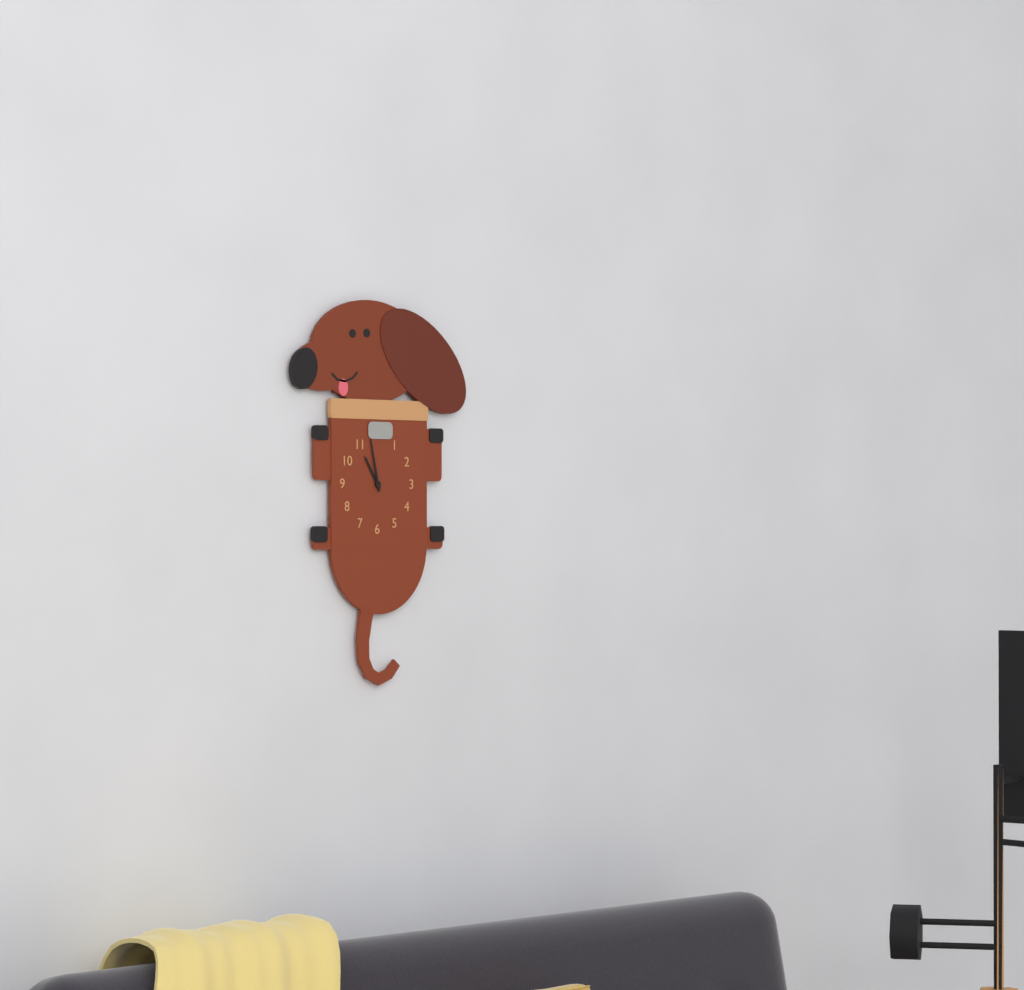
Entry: **10:58**
